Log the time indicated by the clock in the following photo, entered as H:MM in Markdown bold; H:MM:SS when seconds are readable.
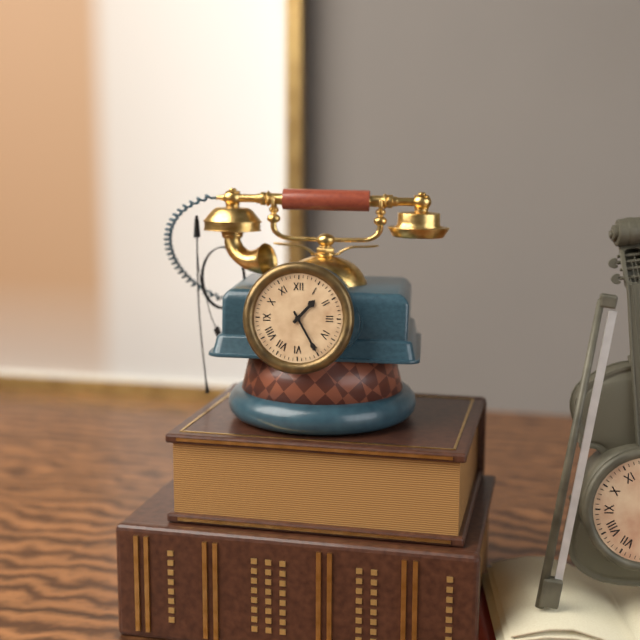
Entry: **1:25**
